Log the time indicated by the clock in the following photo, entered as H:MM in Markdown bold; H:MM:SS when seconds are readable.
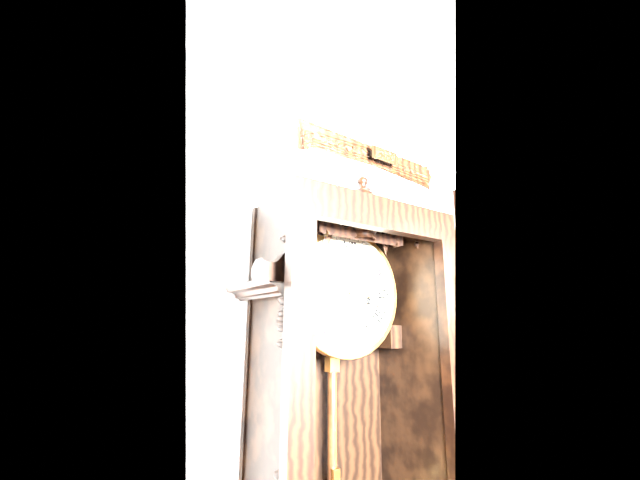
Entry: **12:45**
